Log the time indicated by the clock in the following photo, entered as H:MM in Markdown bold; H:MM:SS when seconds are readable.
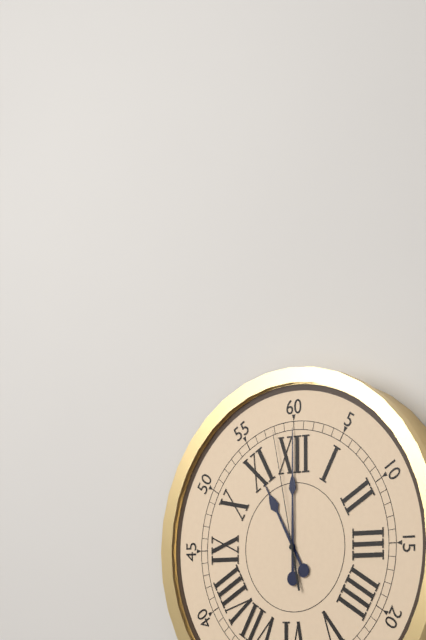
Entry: **11:00:58**
